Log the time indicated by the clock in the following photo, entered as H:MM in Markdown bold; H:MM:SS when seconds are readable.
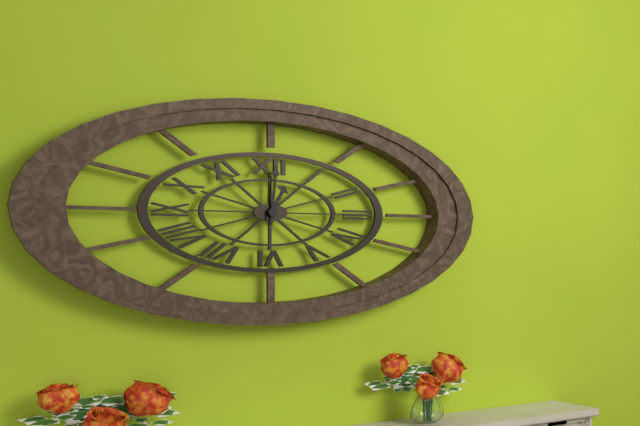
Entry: **1:01**
